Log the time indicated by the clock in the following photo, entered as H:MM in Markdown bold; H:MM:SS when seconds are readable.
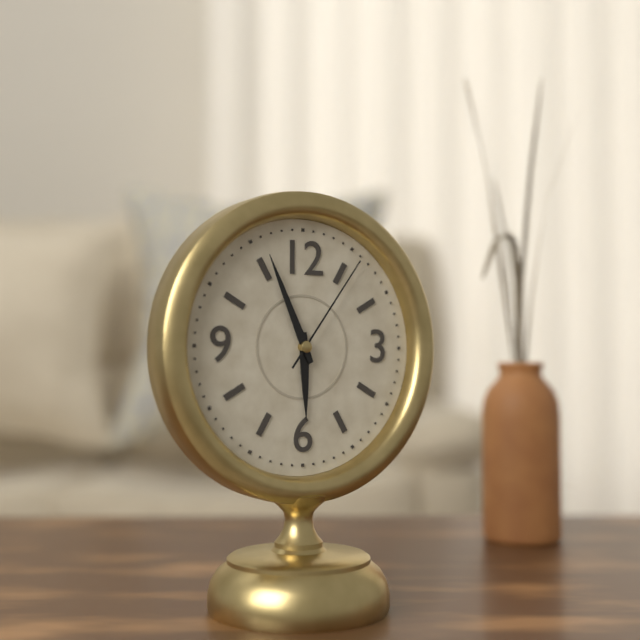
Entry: **5:56:06**
